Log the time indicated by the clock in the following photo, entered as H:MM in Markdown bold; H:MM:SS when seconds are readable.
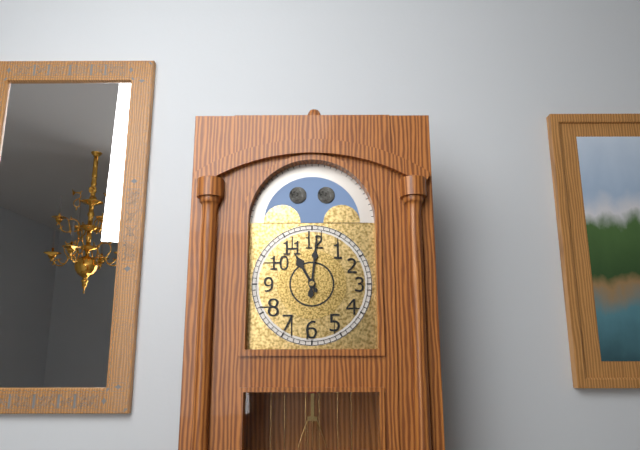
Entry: **11:01**
